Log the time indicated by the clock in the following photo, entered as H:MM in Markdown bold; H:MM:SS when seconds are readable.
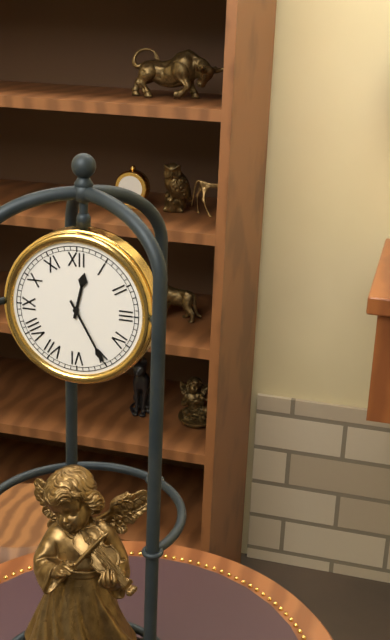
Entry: **12:25**
